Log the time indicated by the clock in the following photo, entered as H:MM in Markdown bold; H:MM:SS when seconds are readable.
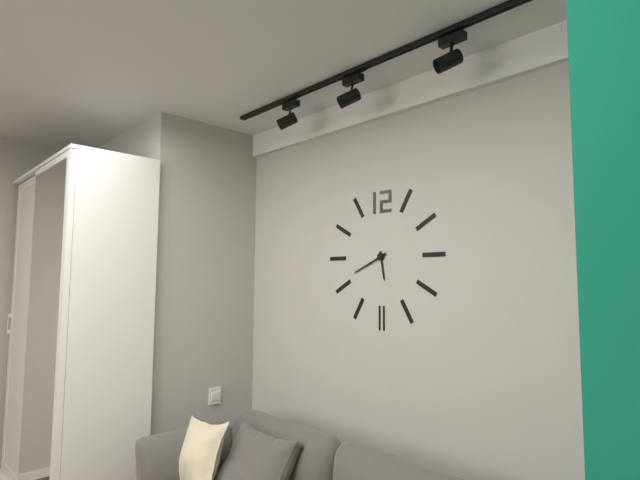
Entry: **5:41**
